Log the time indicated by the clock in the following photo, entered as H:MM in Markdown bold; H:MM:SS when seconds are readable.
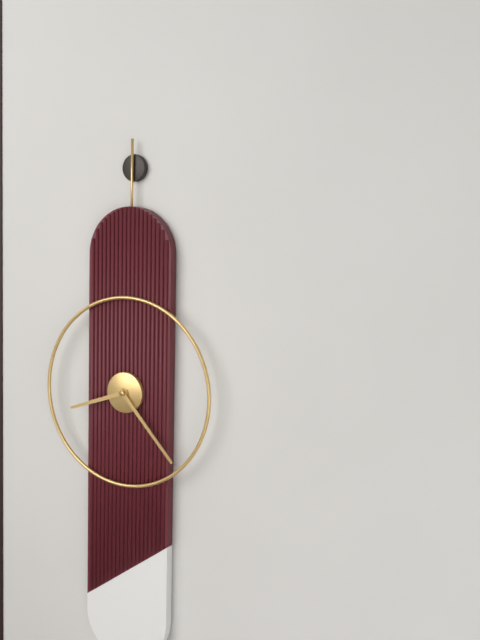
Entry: **8:23**
